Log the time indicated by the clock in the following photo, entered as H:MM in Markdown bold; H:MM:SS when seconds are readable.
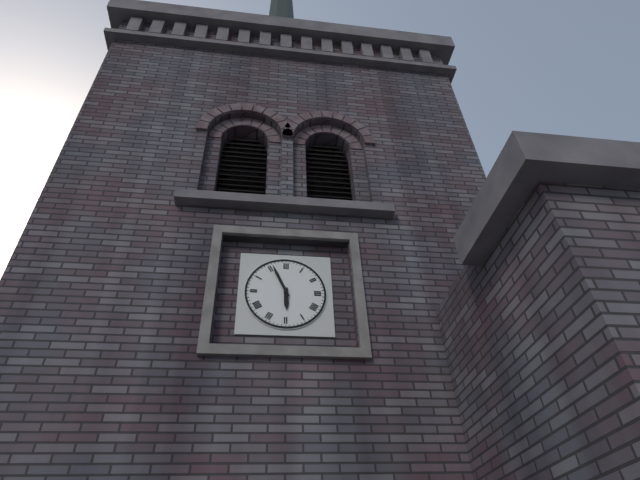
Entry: **5:56**
